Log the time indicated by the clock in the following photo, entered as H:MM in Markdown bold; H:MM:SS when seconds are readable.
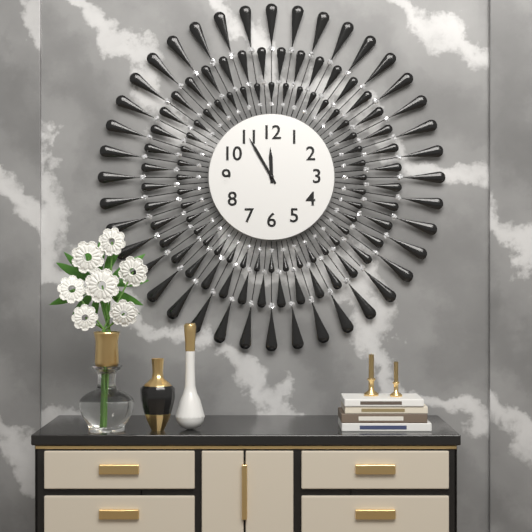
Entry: **11:55**
